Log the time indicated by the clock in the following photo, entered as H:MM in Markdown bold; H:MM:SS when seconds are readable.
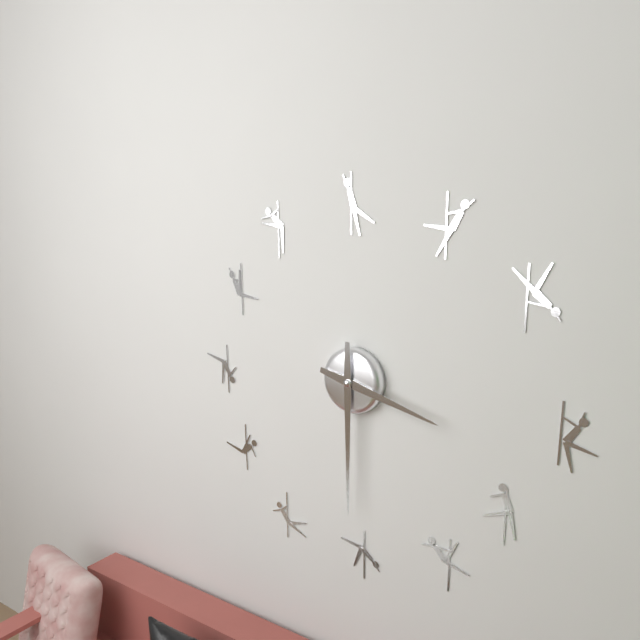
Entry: **3:30**
